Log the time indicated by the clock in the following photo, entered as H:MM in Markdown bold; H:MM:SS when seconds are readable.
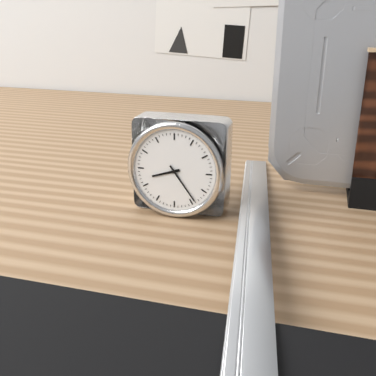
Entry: **8:24**
